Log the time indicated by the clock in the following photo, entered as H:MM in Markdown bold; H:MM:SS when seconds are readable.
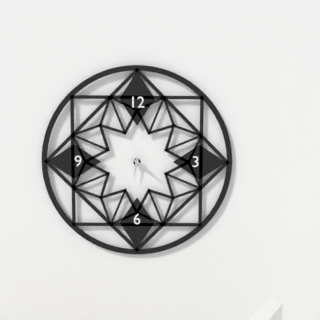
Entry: **6:21**
